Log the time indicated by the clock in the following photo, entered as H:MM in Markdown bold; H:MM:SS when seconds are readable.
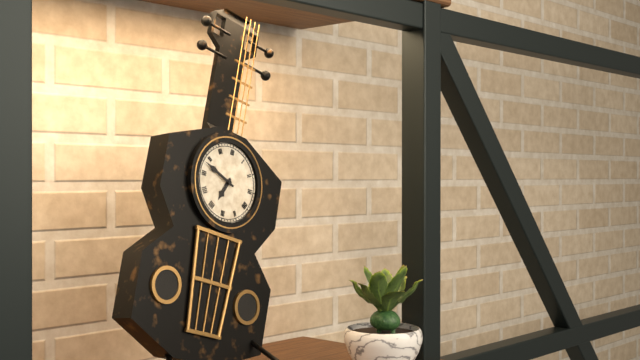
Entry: **6:48**
